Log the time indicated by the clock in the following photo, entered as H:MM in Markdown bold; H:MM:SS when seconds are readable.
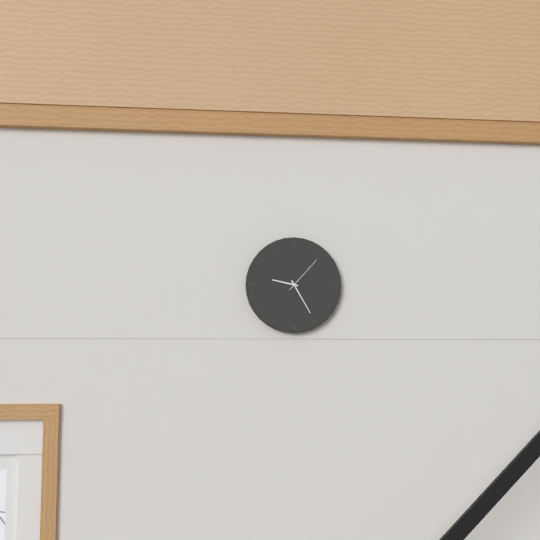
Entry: **9:25**
